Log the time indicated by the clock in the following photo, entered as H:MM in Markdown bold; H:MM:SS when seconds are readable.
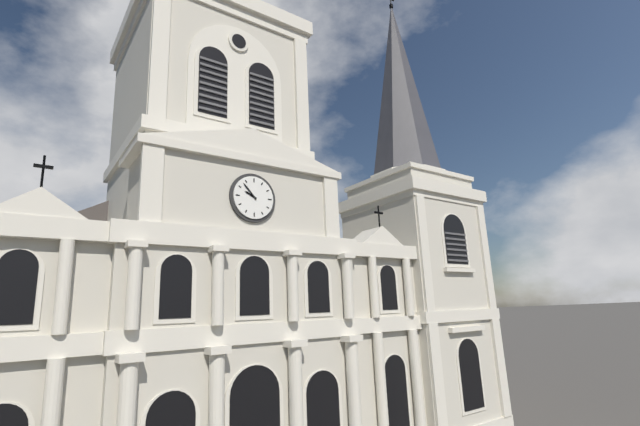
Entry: **9:53**
